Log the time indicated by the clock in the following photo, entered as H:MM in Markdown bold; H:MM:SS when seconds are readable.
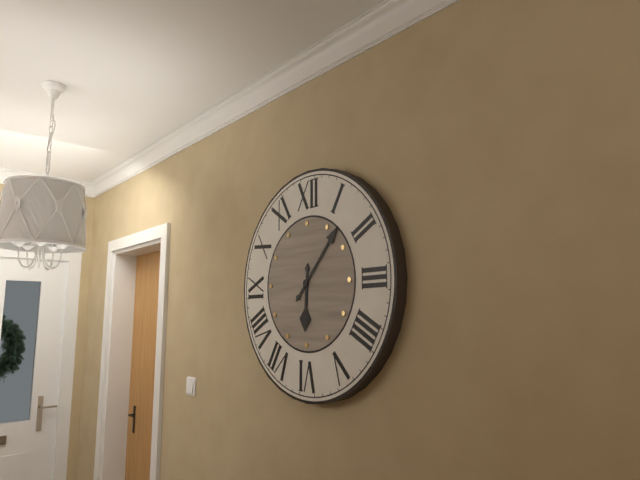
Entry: **6:07**
